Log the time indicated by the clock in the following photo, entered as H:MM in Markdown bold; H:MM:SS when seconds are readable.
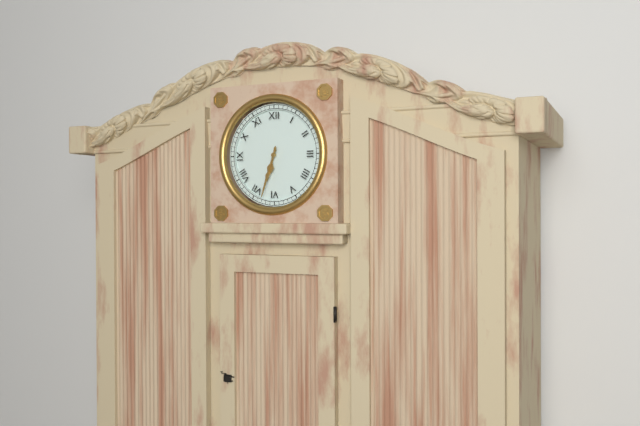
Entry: **6:33**
